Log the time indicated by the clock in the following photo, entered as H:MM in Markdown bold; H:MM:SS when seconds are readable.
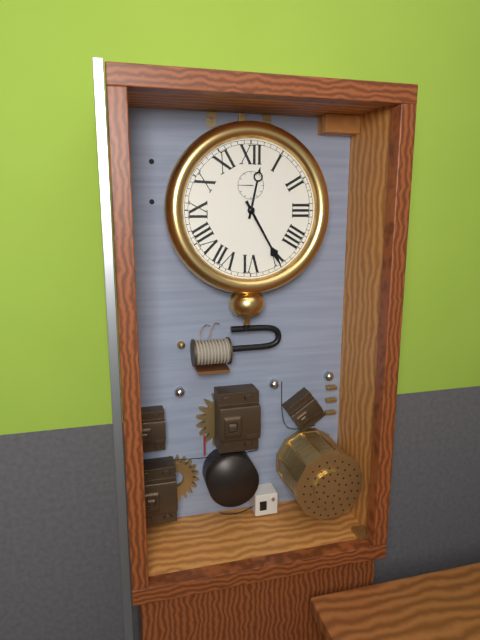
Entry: **12:25**
